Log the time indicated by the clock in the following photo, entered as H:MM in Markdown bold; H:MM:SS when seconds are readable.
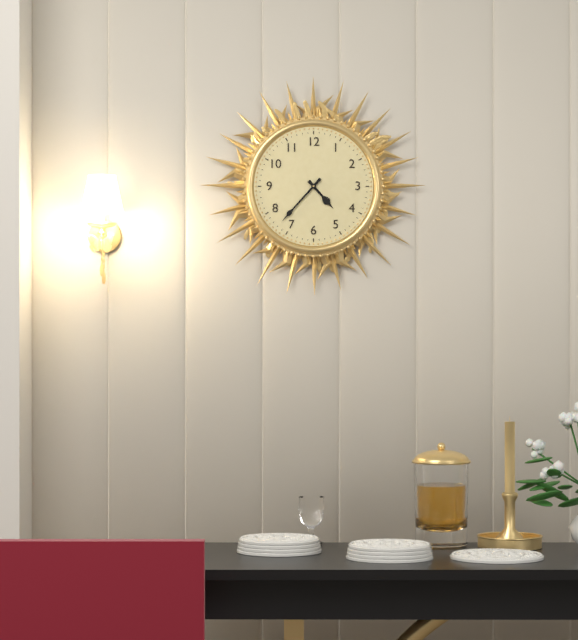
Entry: **4:37**
